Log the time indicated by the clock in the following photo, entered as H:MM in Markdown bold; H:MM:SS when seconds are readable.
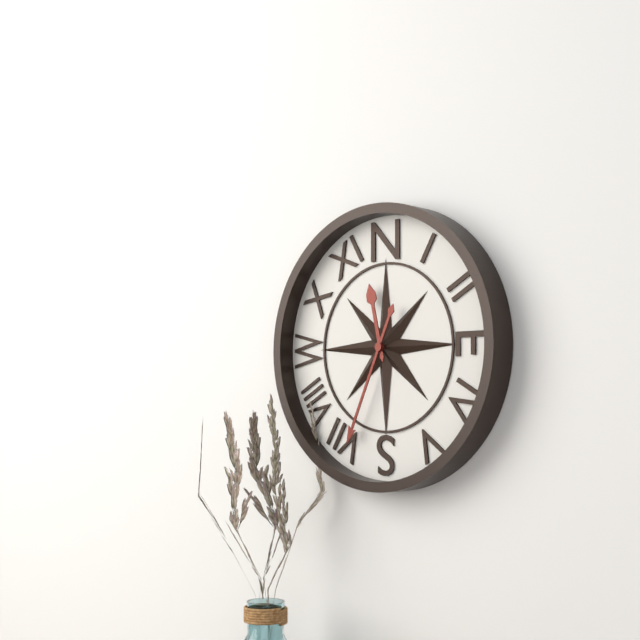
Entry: **11:34**
